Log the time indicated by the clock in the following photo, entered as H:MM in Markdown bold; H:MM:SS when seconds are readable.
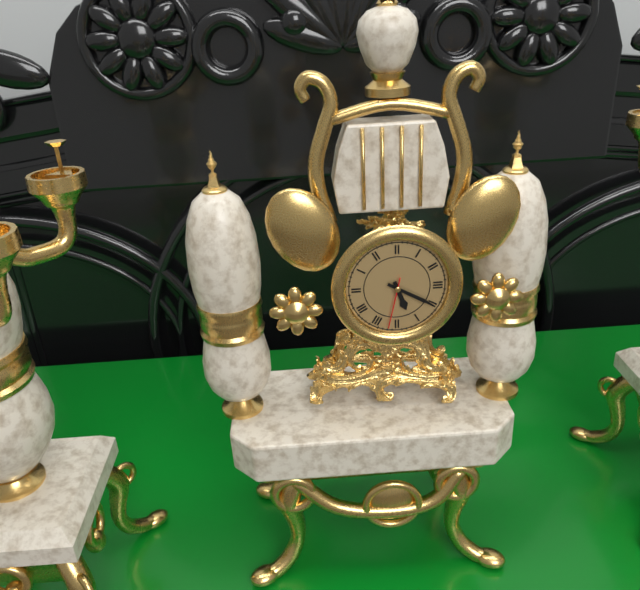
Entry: **5:20:32**
